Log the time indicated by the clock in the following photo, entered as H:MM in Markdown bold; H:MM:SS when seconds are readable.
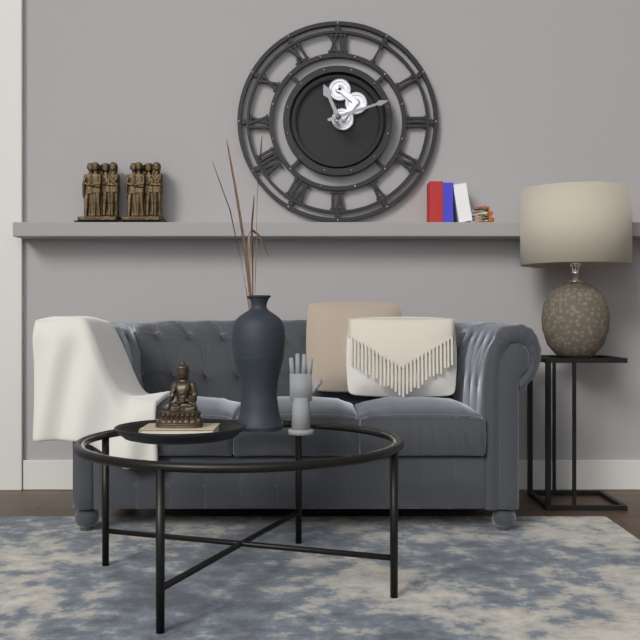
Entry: **11:12**
